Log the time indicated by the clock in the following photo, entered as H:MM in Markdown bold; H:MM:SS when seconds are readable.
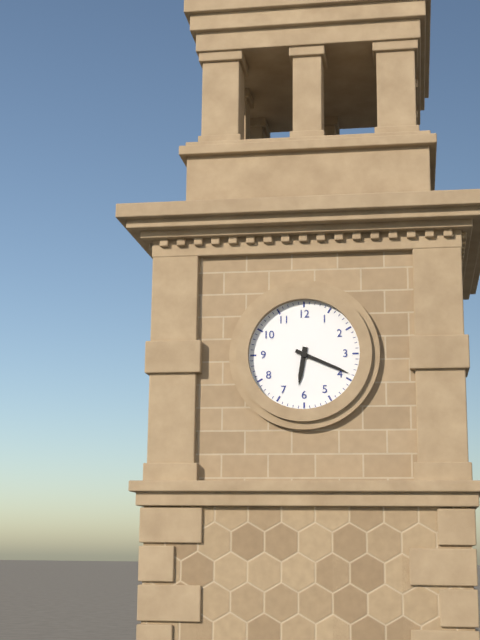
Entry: **6:19**
